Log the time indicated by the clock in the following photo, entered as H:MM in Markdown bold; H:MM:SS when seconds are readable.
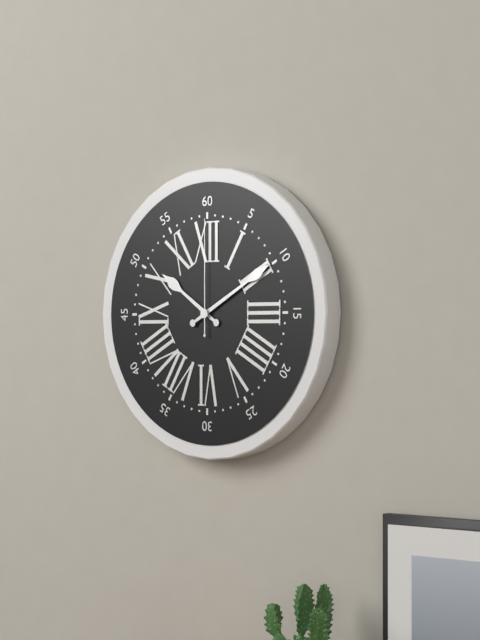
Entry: **10:10:00**
